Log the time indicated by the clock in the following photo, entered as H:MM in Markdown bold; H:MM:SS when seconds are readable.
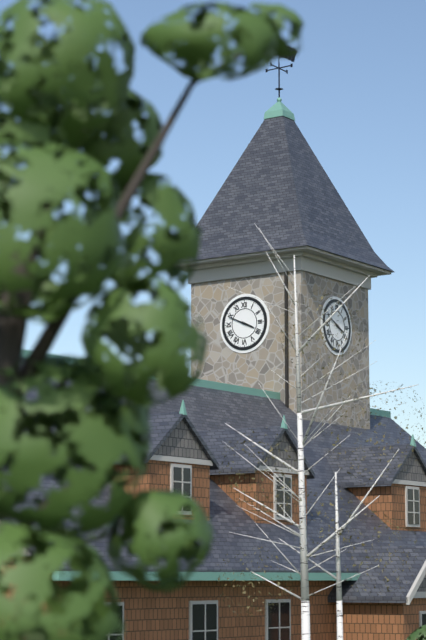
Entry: **3:49**
